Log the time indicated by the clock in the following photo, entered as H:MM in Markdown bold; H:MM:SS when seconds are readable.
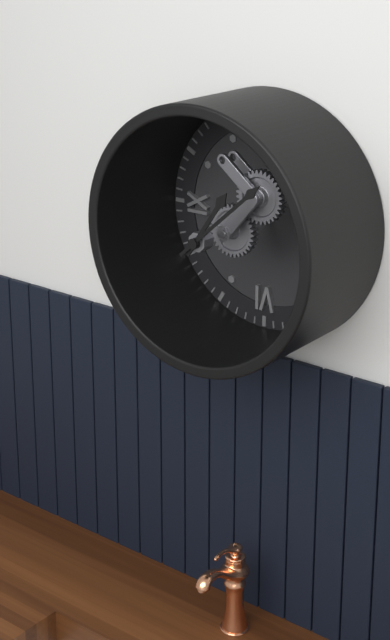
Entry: **1:08**
